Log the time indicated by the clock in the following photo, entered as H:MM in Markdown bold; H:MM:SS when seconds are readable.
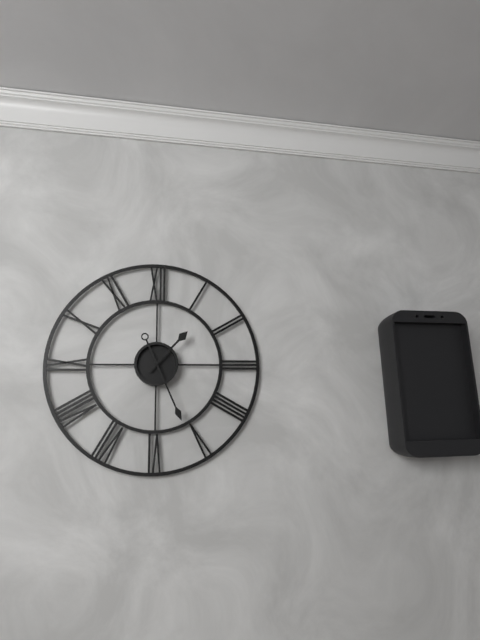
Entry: **1:26**
